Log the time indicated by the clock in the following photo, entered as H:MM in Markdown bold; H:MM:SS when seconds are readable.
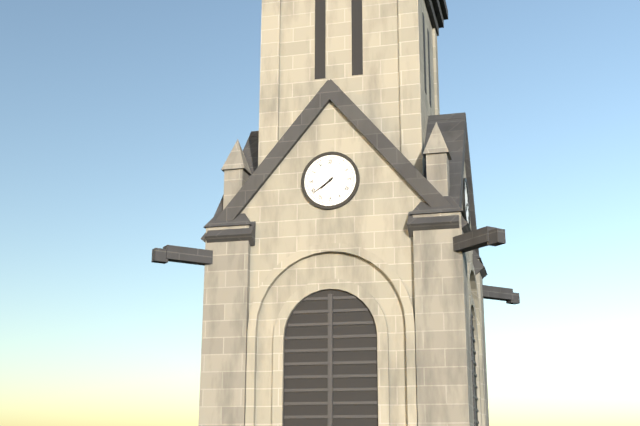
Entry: **7:39**
